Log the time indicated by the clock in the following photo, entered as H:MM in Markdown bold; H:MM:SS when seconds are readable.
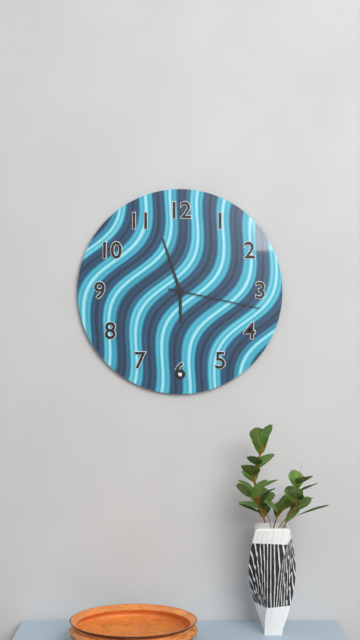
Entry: **5:57:17**
